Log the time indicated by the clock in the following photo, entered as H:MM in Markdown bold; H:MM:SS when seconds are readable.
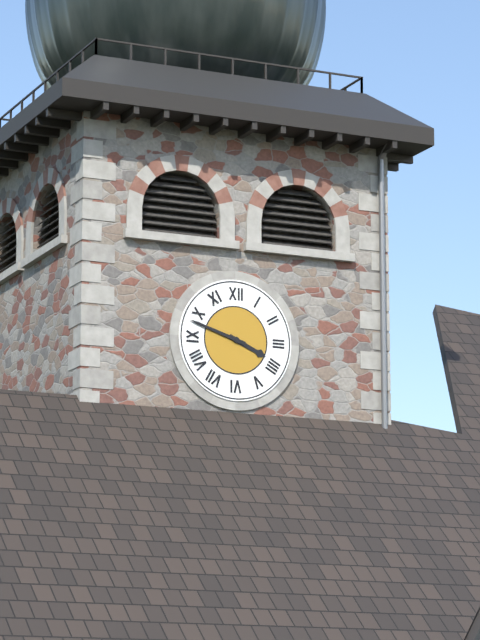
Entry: **3:48**
